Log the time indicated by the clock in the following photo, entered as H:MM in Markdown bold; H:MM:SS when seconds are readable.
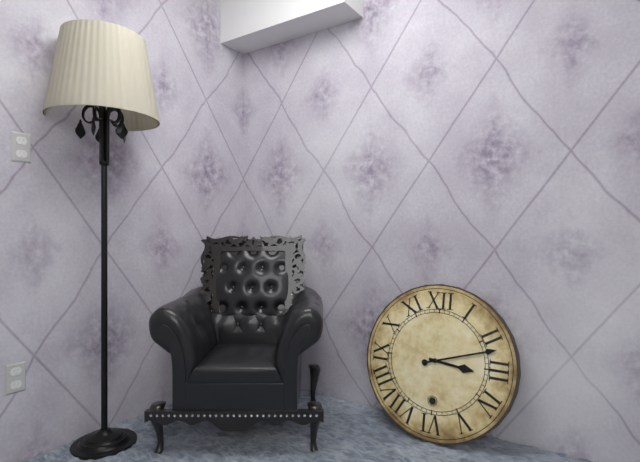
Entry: **3:12**
